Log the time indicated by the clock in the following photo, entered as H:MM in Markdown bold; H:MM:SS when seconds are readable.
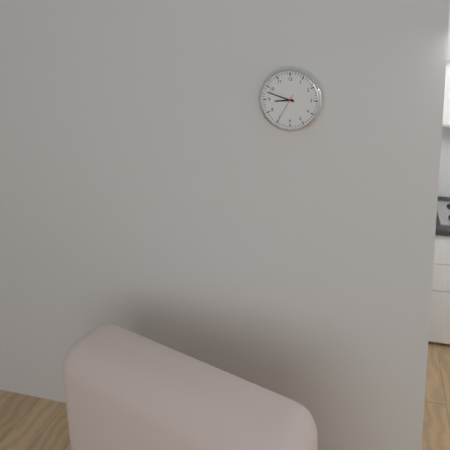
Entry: **8:48**
